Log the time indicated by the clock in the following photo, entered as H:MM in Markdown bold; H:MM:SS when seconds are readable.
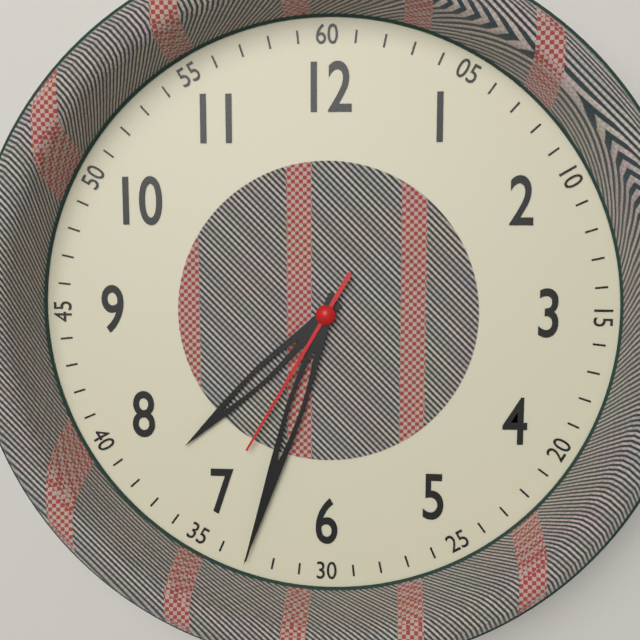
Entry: **7:33:35**
